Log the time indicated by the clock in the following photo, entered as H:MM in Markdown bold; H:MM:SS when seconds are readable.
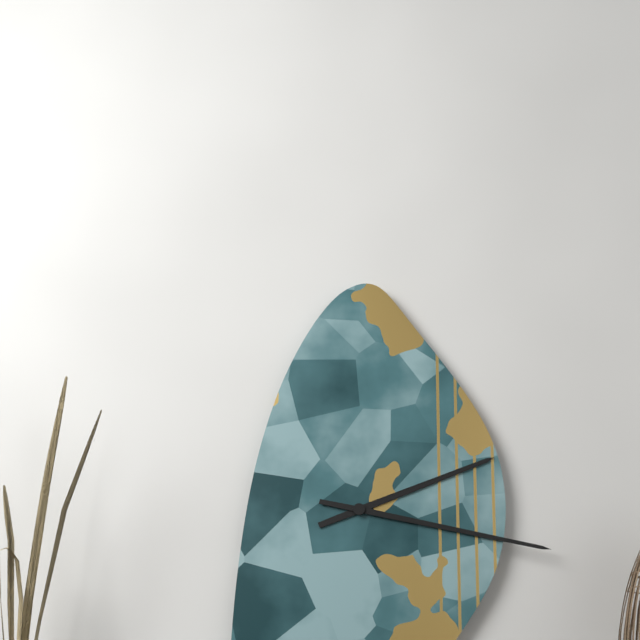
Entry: **2:17**
